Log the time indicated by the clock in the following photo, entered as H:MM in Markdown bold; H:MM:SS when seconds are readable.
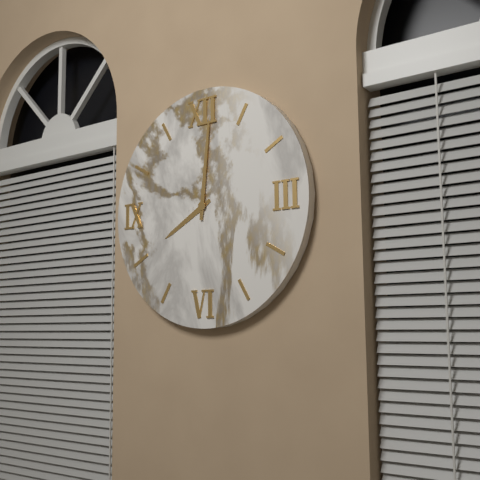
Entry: **8:01**
